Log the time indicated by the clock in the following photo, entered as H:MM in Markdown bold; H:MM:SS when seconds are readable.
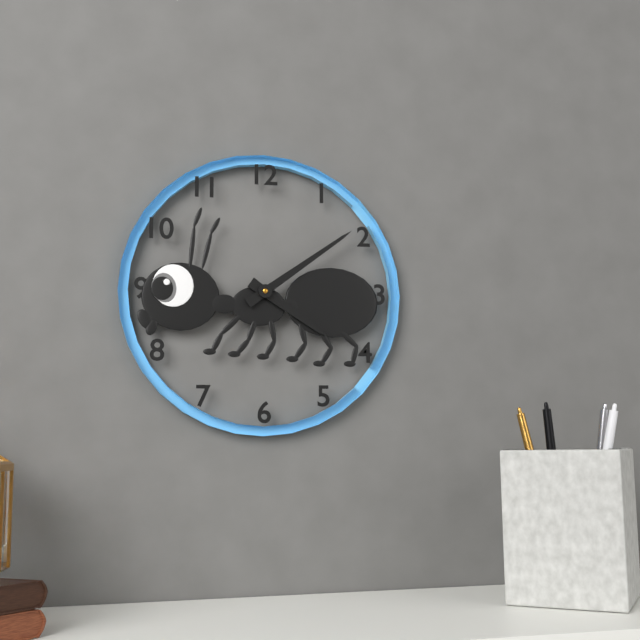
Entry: **4:09**
